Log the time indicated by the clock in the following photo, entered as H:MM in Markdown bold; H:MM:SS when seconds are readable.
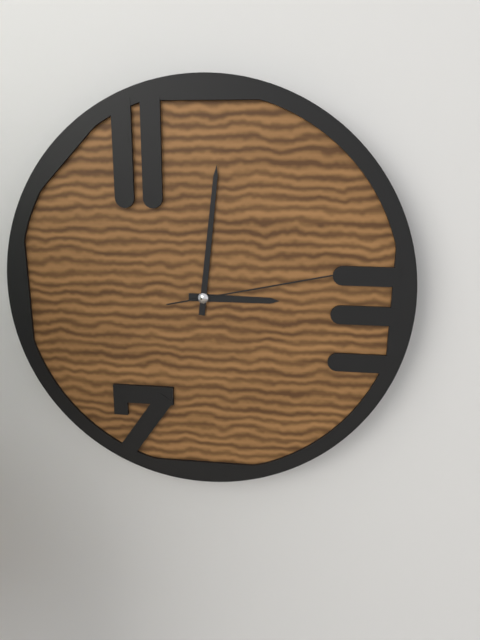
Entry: **3:01:13**
